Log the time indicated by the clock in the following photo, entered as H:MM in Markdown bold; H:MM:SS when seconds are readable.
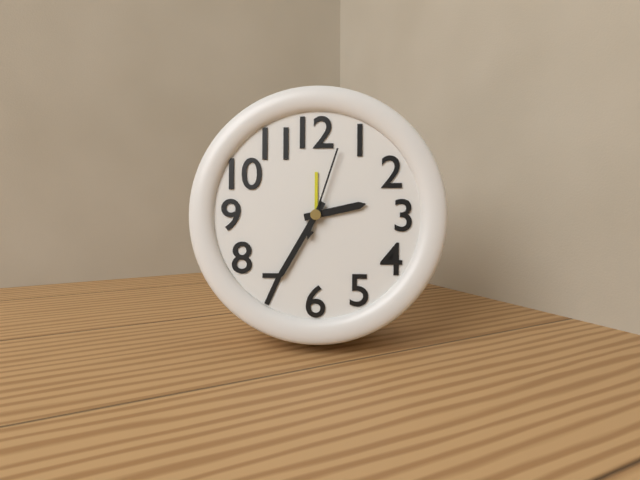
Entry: **2:35:03**
